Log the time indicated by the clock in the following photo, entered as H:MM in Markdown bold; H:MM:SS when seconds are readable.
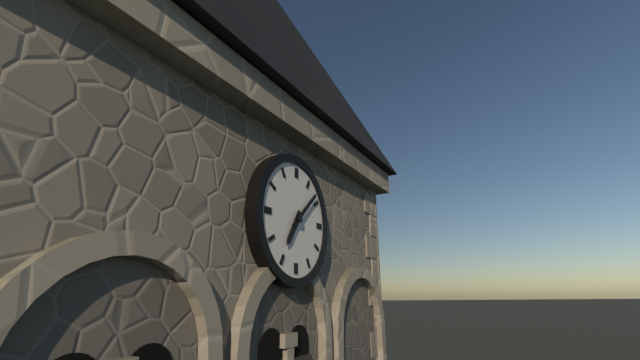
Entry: **7:08**
